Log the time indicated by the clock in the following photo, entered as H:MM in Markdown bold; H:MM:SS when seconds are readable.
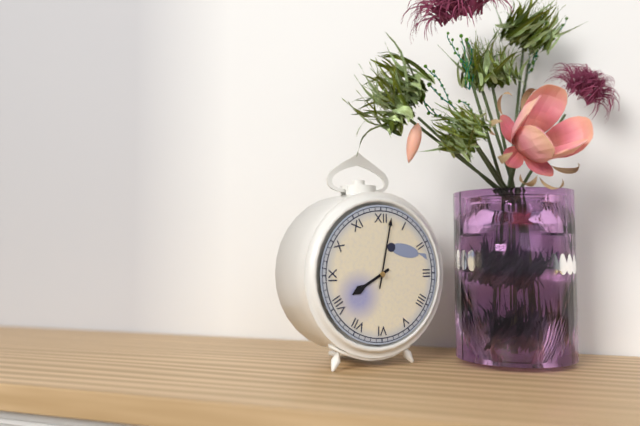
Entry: **8:02**
